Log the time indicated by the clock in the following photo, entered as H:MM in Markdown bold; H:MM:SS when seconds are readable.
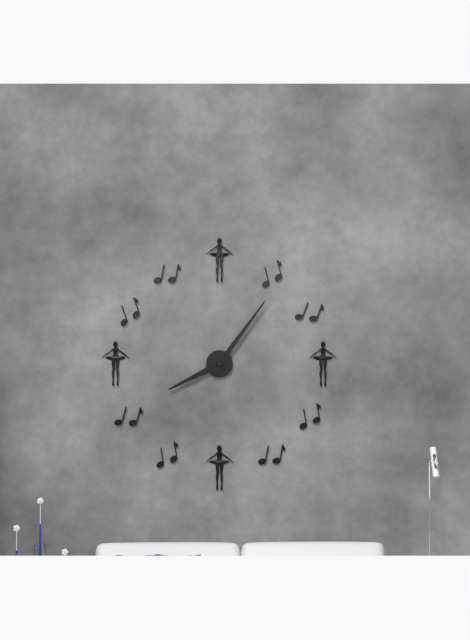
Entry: **8:06**
